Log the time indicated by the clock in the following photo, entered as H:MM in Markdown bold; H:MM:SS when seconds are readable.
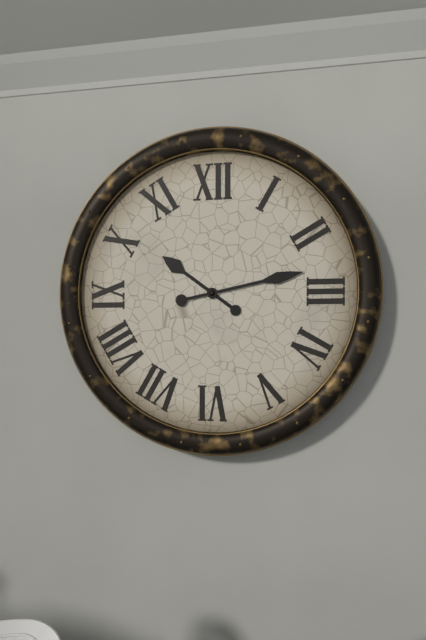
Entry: **10:13**
